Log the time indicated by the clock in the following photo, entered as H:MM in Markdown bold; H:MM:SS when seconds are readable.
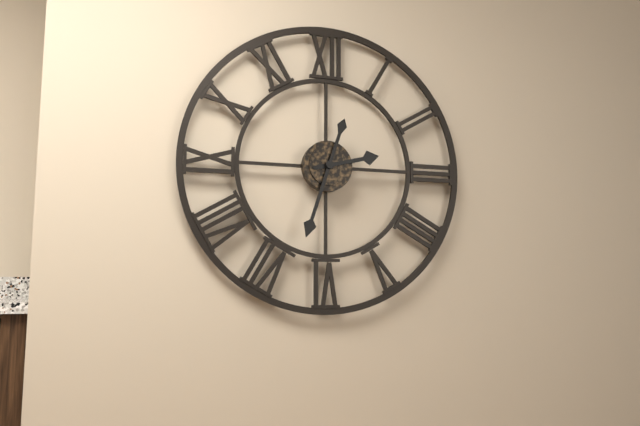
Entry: **2:33**
